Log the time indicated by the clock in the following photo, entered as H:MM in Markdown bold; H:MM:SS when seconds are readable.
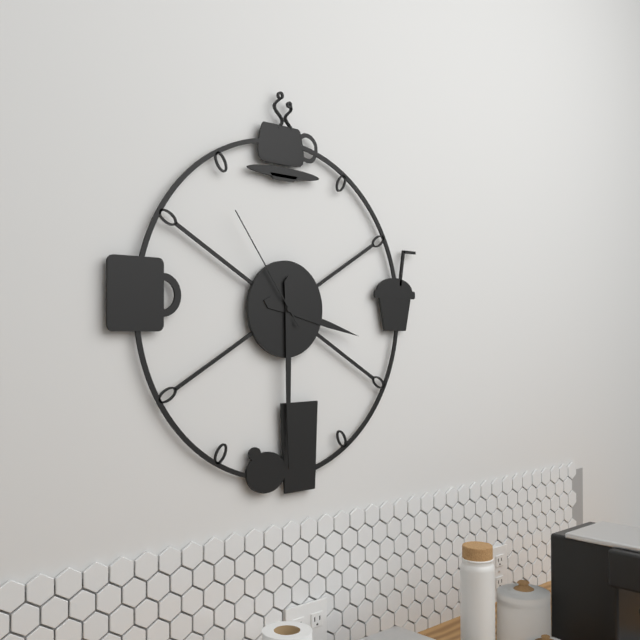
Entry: **3:30:54**
